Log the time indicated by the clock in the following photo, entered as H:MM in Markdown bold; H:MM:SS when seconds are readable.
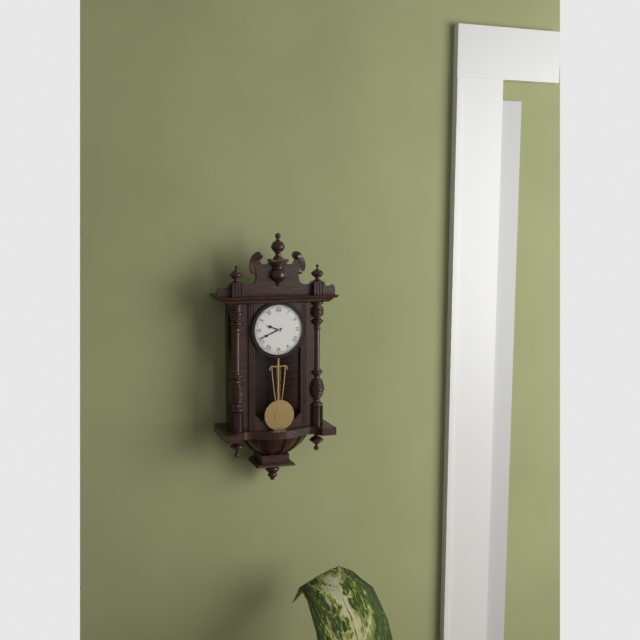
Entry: **9:41**
